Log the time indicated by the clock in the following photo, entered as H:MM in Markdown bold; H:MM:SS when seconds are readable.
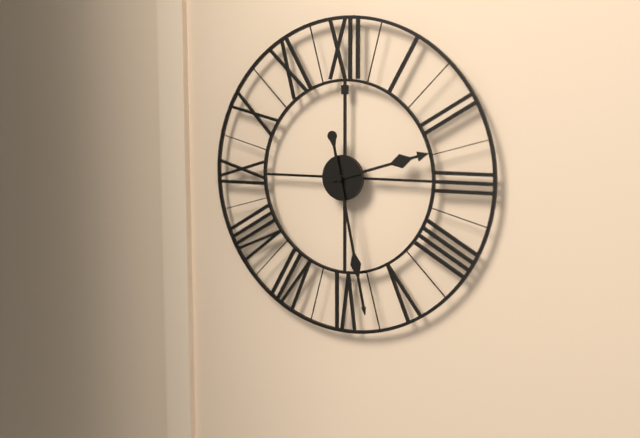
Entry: **2:28**
